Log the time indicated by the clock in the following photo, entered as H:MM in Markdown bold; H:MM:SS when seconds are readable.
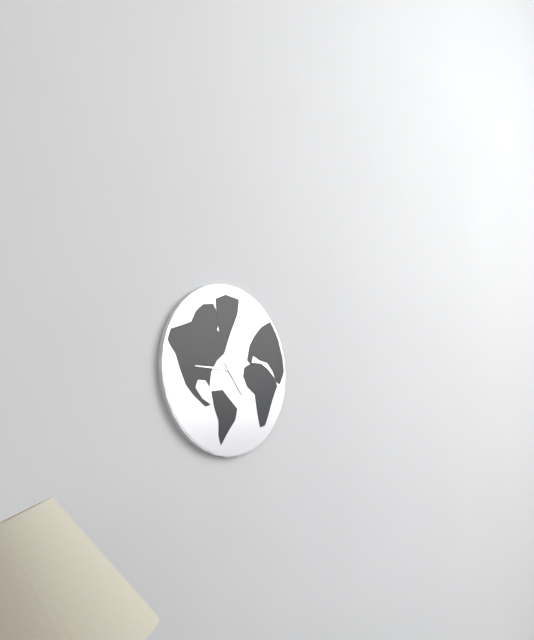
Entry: **4:45**
